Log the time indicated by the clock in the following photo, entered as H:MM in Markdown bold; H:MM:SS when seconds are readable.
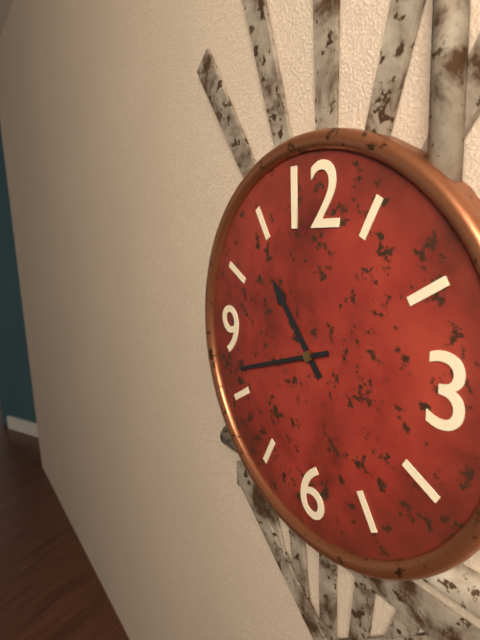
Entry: **10:42**
